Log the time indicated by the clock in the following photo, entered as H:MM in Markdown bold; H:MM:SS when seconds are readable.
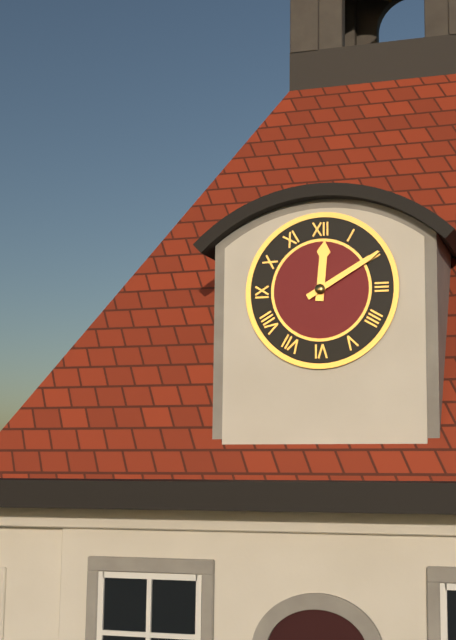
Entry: **12:10**
